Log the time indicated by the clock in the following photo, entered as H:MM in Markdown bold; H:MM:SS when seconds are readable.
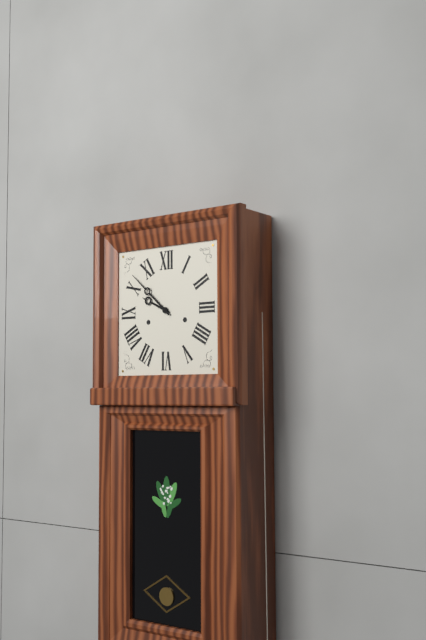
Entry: **9:52**
